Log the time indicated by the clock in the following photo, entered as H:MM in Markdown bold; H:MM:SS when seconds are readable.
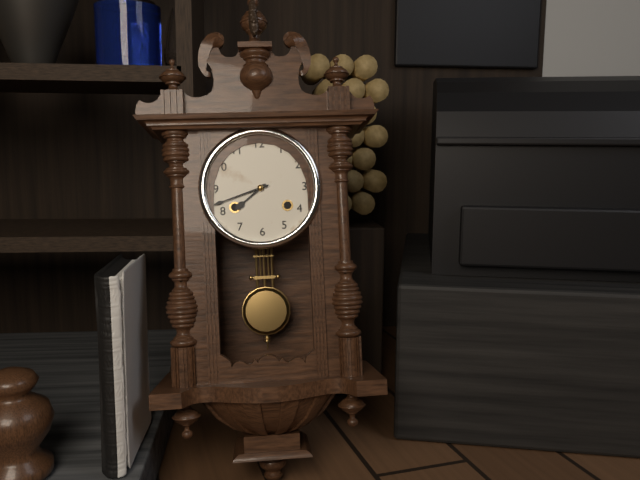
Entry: **7:42**
